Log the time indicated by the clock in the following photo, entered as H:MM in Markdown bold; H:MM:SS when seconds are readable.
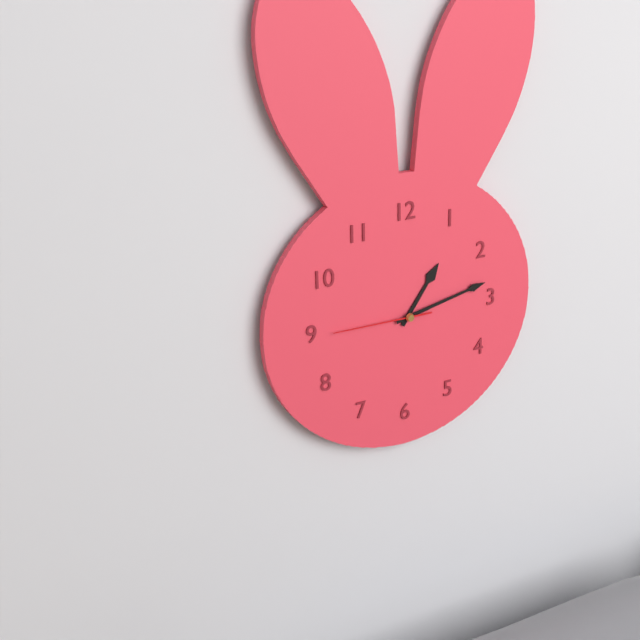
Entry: **1:13:45**
